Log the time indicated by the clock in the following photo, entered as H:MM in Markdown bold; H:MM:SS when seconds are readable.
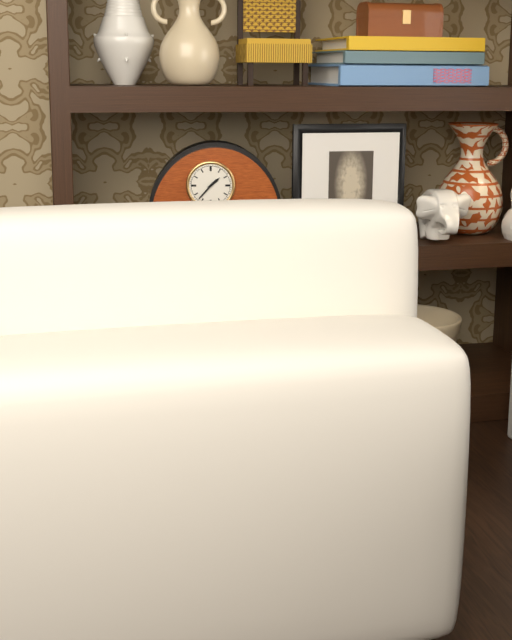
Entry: **1:37**
